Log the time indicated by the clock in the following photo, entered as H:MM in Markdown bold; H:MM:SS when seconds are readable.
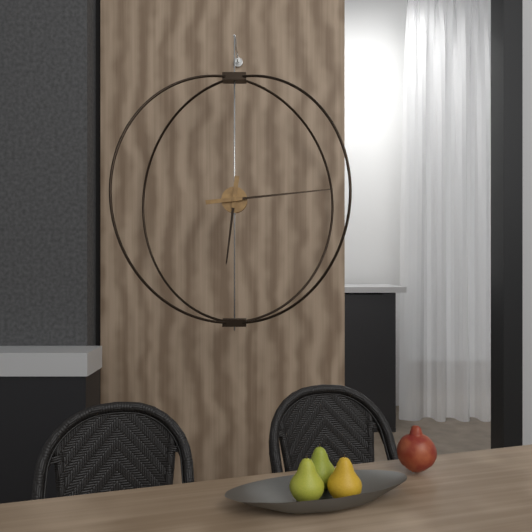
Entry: **6:14**
